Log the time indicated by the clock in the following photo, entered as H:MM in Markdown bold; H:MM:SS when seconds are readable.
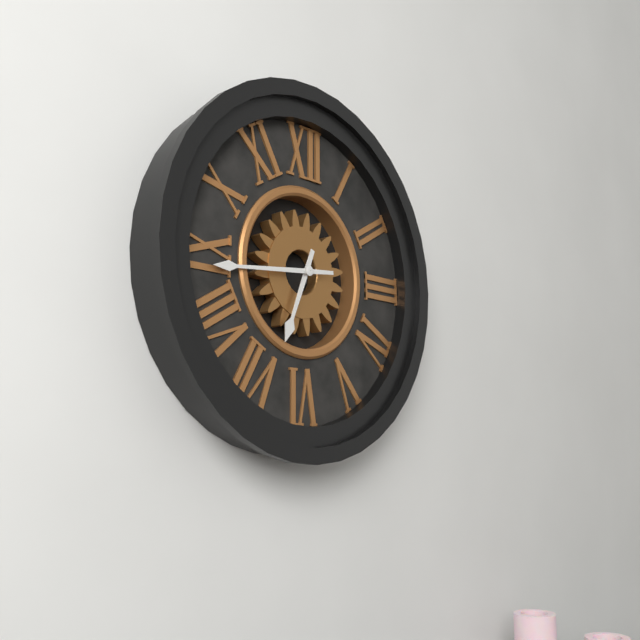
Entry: **6:44**
